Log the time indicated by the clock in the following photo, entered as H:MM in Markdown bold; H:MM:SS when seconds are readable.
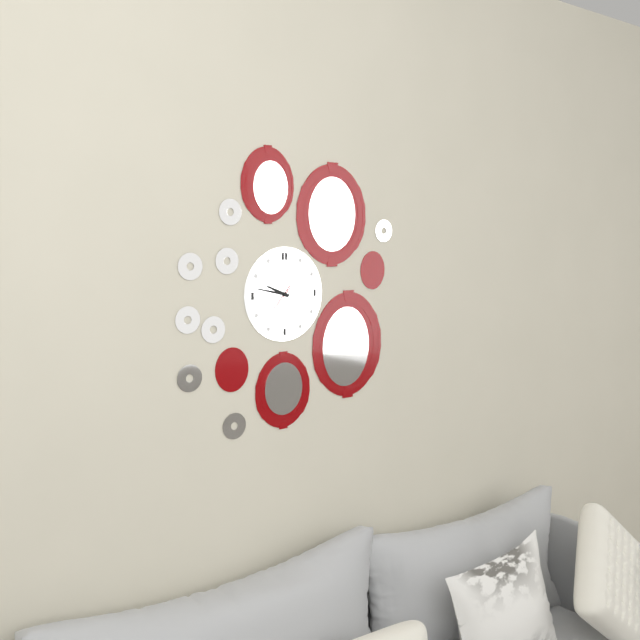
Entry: **9:47**
